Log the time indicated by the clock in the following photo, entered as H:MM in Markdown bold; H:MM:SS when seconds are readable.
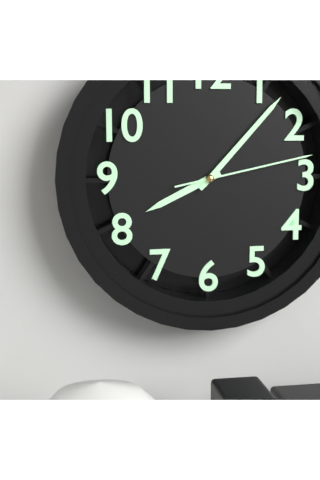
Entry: **8:07:13**
